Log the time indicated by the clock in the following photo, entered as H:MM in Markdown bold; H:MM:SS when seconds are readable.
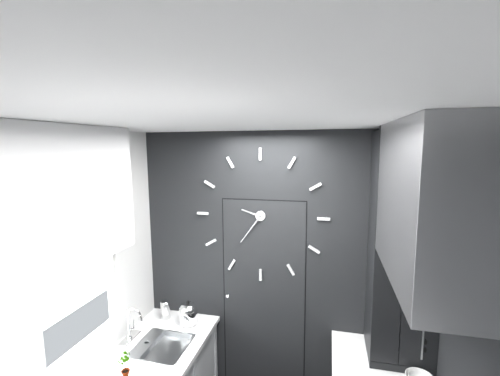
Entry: **9:36**
